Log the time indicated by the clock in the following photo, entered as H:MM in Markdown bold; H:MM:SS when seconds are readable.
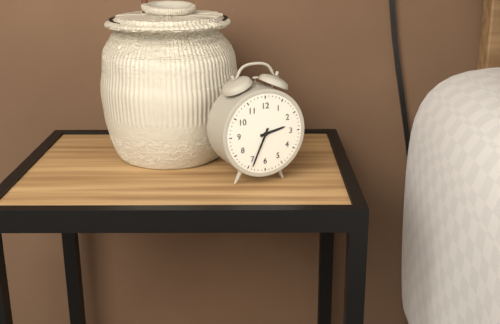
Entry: **2:34**
